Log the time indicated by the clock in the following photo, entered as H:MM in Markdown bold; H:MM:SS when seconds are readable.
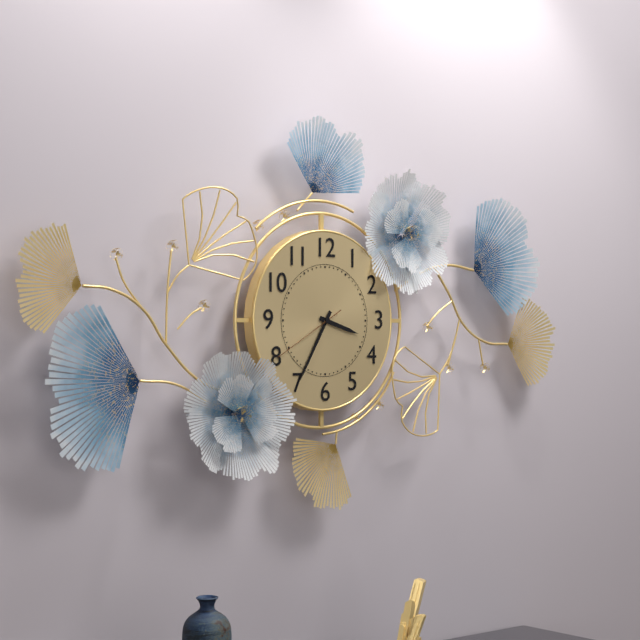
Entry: **3:35:40**
